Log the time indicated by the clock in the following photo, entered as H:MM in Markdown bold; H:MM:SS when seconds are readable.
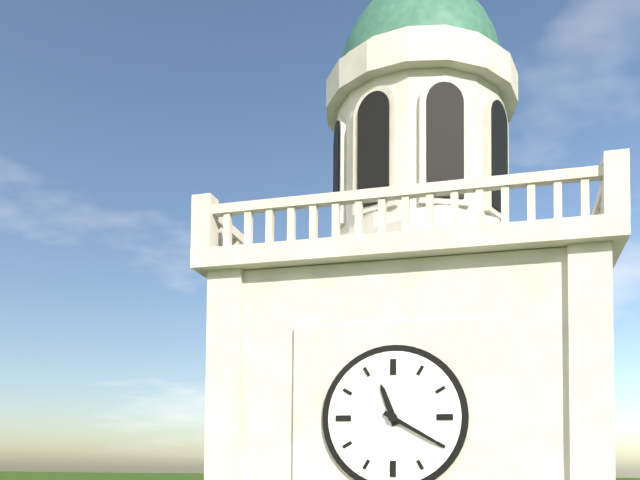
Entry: **11:20**
